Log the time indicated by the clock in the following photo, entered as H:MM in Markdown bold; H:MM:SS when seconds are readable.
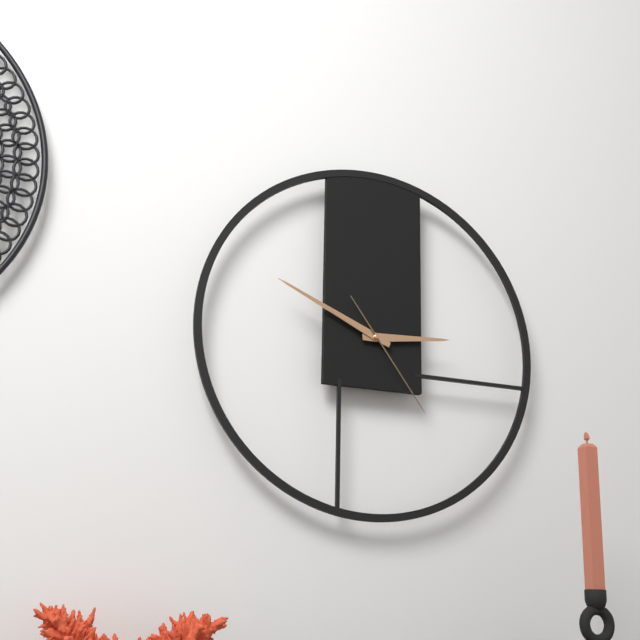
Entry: **2:49:24**
